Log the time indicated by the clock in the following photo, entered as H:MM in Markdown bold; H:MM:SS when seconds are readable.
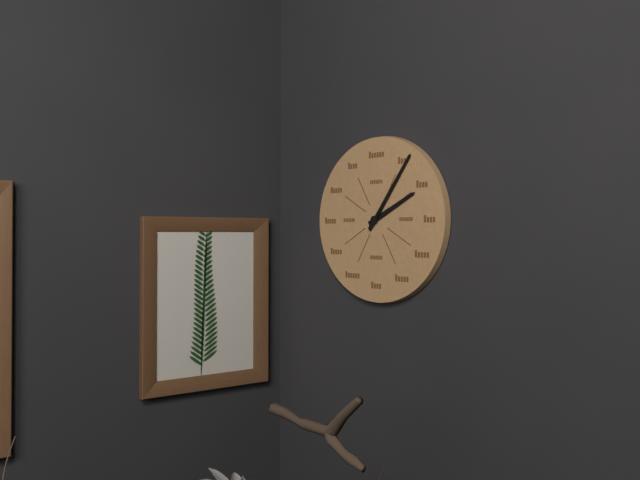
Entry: **2:06**
